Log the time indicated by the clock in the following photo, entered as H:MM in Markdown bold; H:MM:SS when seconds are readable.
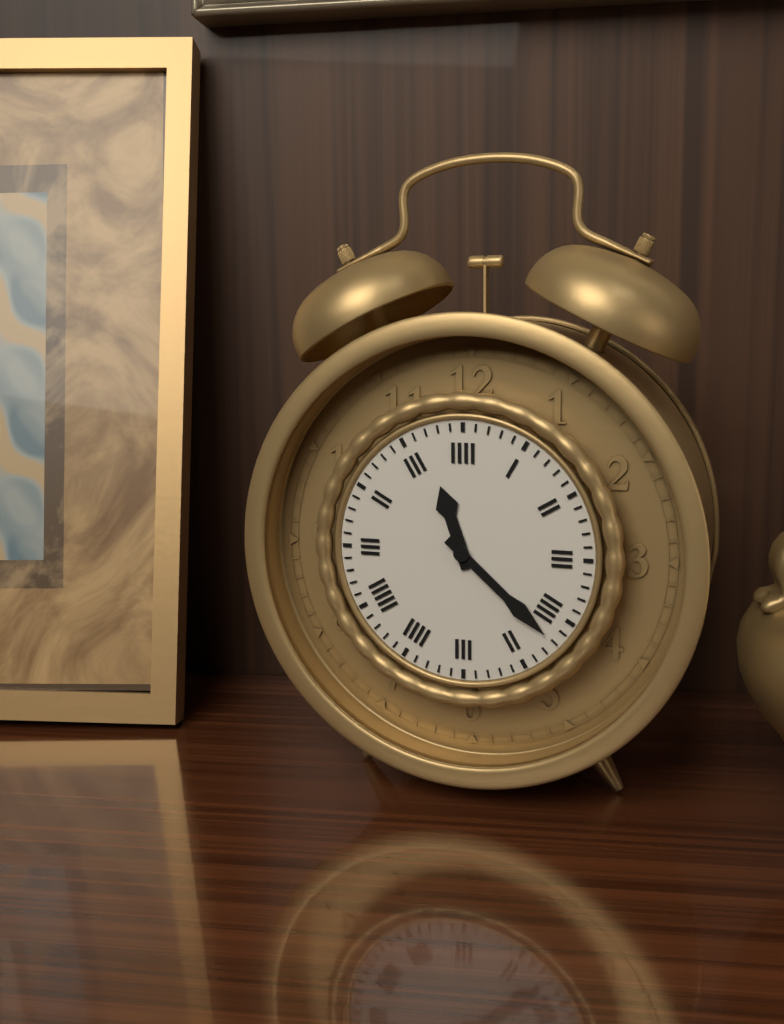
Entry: **11:22**
